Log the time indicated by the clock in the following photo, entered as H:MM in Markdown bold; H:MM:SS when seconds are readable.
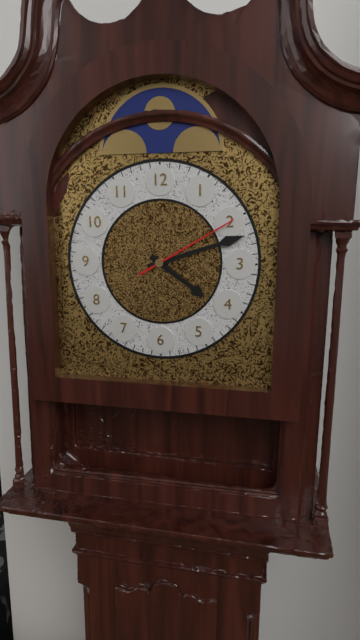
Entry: **4:12:10**
